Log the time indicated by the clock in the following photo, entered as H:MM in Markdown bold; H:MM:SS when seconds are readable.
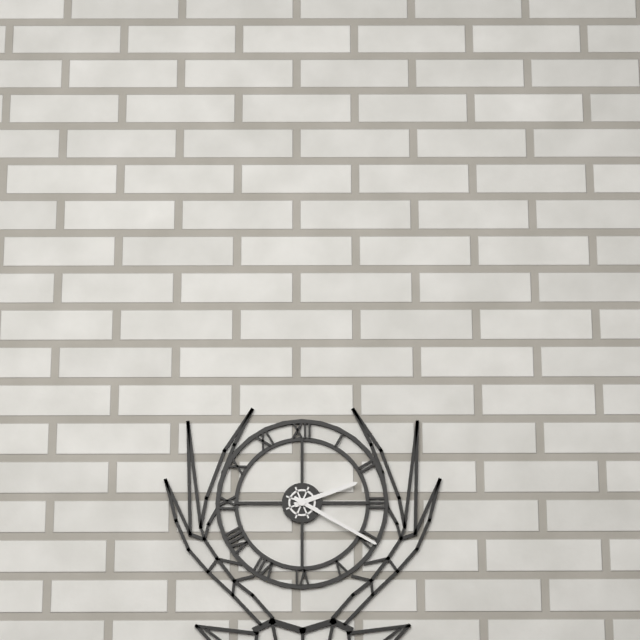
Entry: **2:20**
